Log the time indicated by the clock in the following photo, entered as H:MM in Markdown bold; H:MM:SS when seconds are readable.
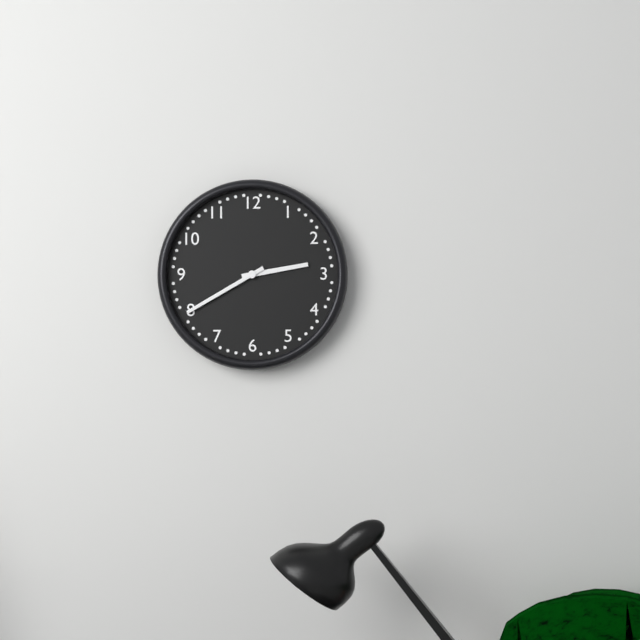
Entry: **2:40**
